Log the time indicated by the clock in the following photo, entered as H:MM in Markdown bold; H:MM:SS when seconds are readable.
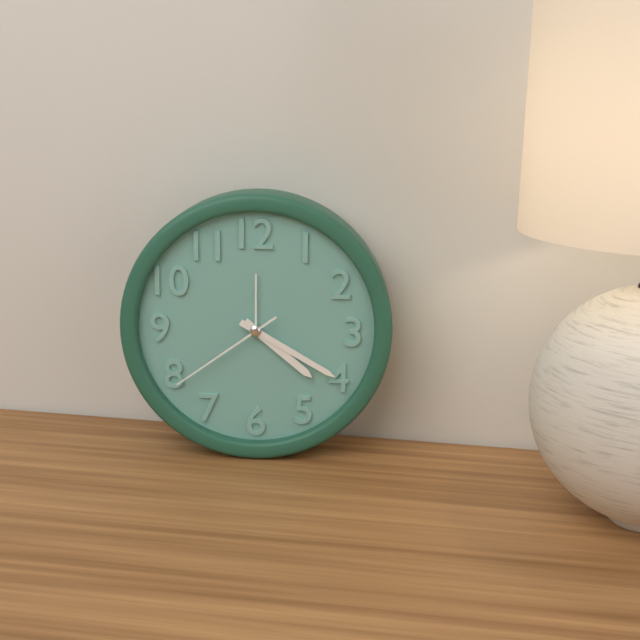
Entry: **4:20:39**
